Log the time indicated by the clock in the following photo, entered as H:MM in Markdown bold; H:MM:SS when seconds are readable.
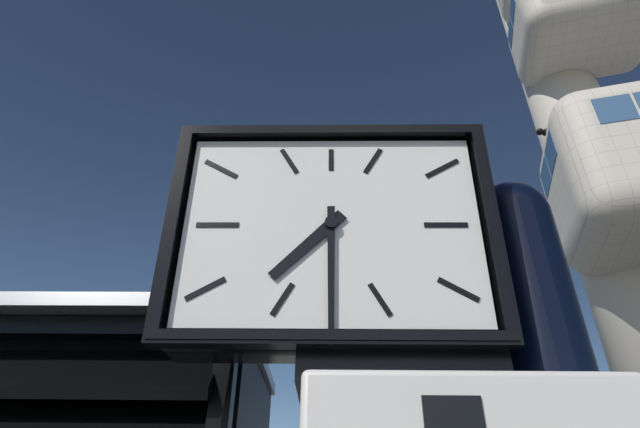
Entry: **7:30**
